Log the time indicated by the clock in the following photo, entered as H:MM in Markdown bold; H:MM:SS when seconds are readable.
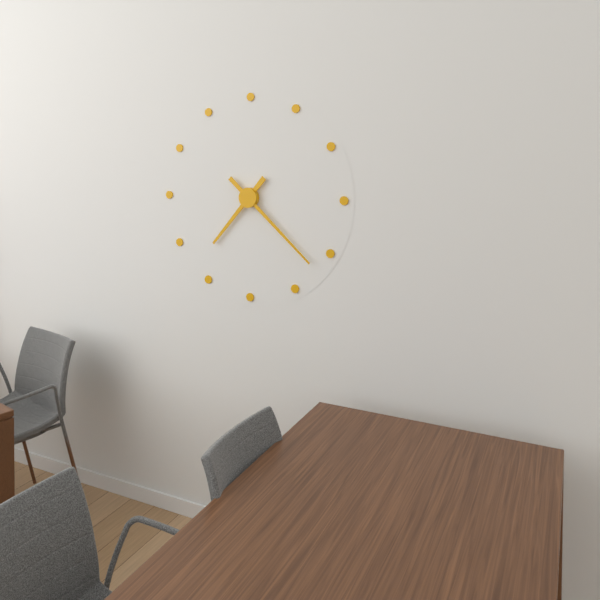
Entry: **7:22**
